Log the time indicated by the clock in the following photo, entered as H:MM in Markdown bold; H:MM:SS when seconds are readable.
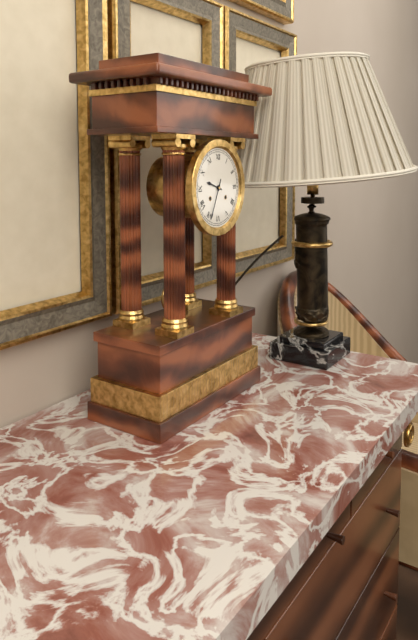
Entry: **9:34**
